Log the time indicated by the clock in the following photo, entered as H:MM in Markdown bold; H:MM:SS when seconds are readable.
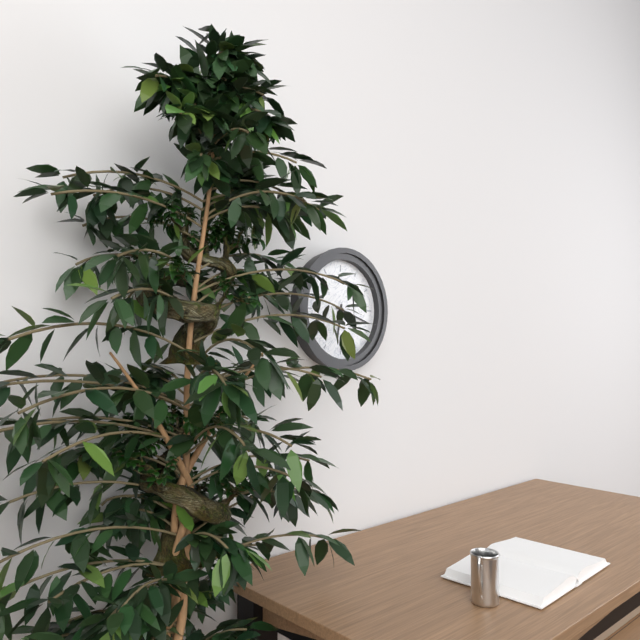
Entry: **6:18**
